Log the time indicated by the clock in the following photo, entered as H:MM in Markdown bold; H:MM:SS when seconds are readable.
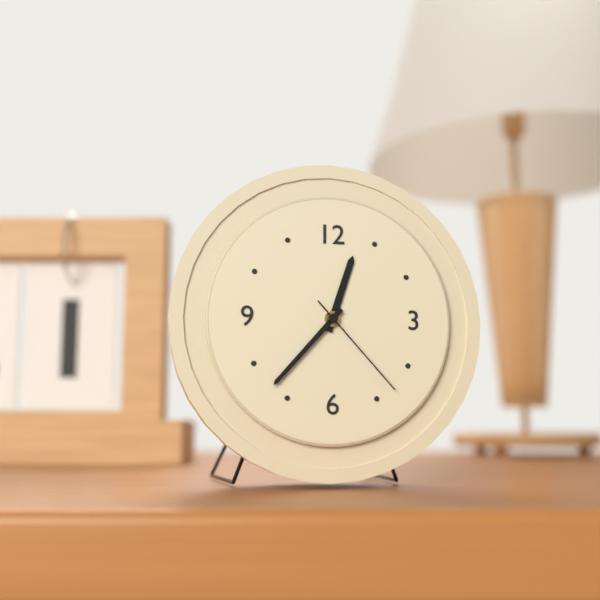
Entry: **12:37:23**
